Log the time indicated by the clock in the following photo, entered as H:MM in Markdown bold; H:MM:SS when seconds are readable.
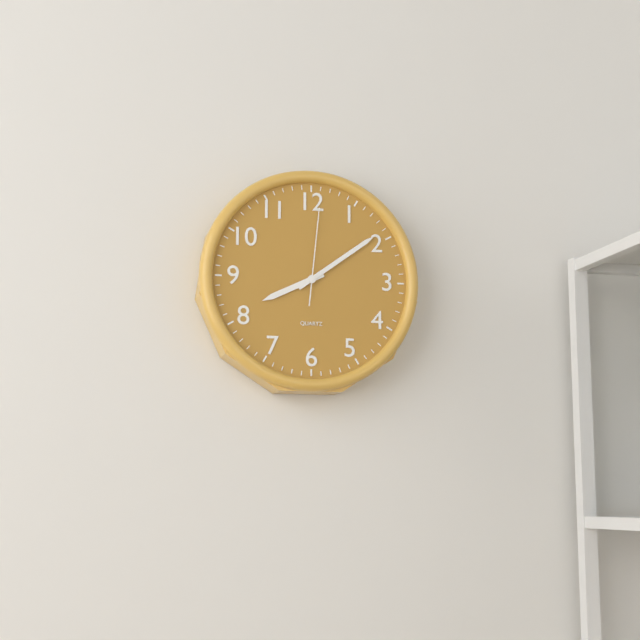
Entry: **8:09:01**
